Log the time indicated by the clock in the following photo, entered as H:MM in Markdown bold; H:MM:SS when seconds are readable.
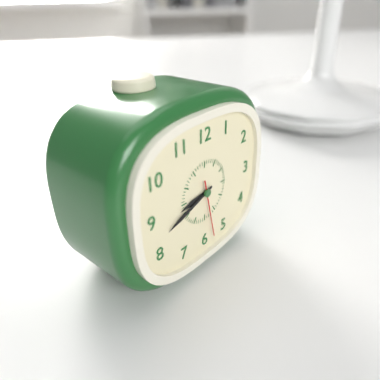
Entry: **8:42:28**
